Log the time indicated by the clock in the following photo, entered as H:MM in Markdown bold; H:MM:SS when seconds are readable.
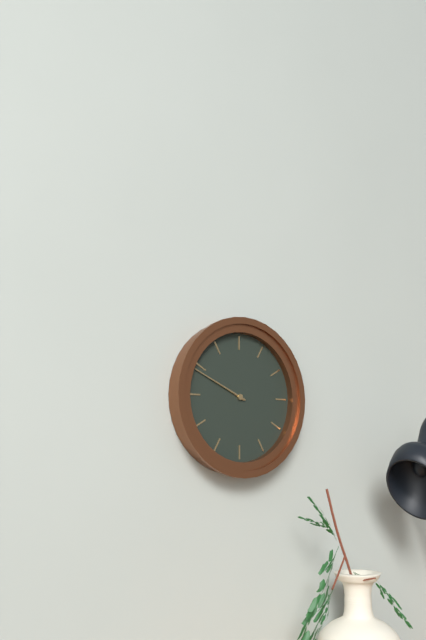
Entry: **9:49**
